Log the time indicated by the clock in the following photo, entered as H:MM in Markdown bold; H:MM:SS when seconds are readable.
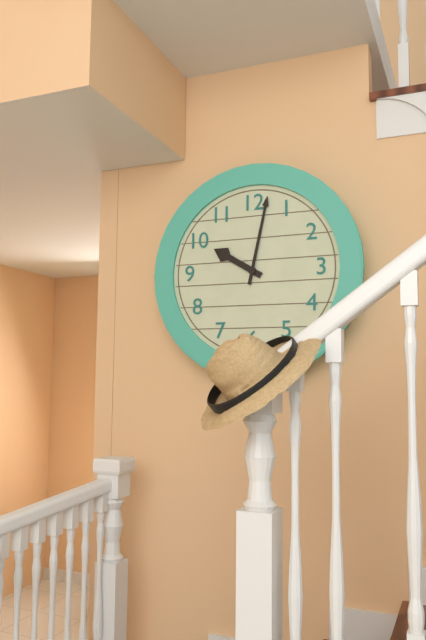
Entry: **10:02**
